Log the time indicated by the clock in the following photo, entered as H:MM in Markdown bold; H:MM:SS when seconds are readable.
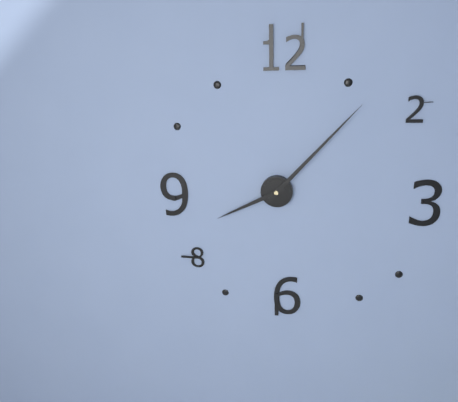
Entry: **8:07**
